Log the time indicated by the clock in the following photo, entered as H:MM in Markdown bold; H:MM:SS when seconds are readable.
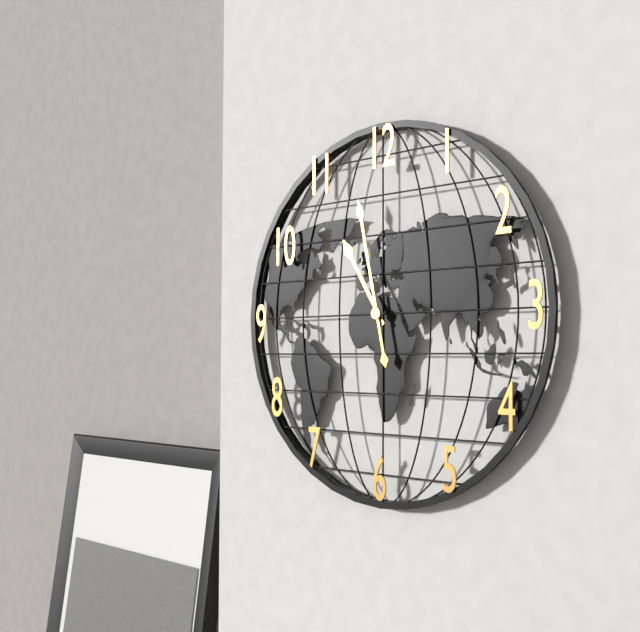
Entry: **10:58**
